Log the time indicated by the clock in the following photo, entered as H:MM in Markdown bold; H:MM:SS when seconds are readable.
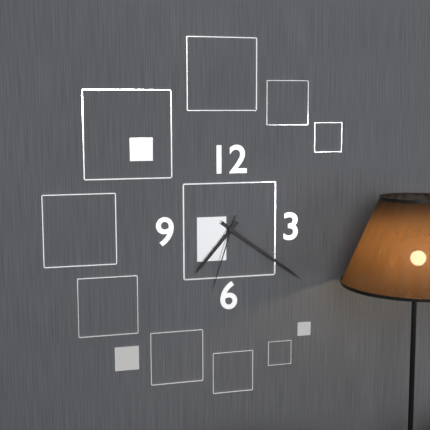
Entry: **7:21:33**
